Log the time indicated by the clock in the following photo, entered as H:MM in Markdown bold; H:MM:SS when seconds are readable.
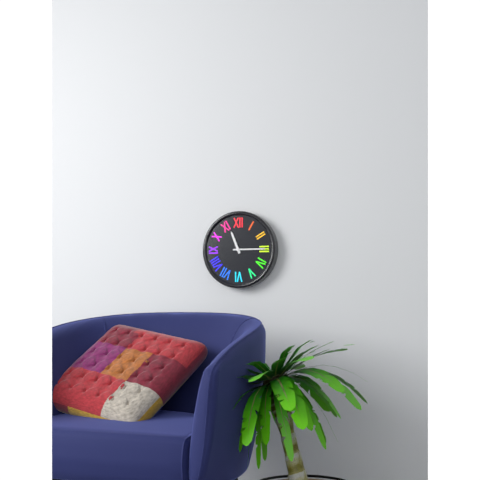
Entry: **11:15**
